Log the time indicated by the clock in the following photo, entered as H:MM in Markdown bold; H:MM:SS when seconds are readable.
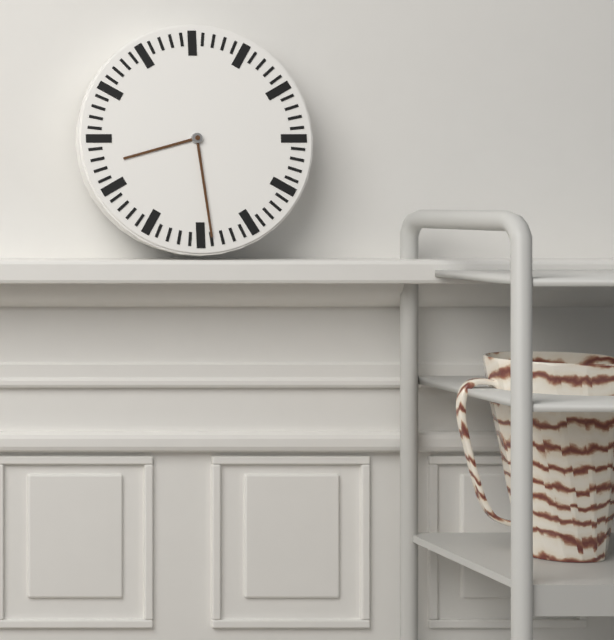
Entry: **8:29**
